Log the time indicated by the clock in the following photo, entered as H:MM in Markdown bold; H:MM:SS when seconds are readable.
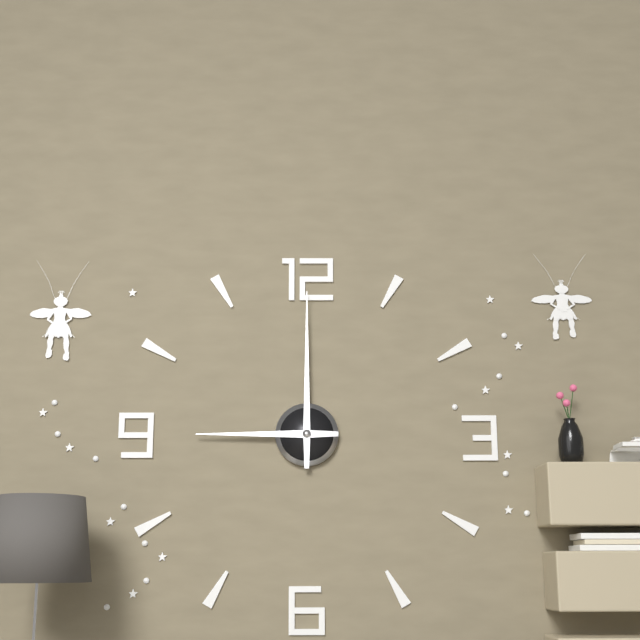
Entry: **9:00**
